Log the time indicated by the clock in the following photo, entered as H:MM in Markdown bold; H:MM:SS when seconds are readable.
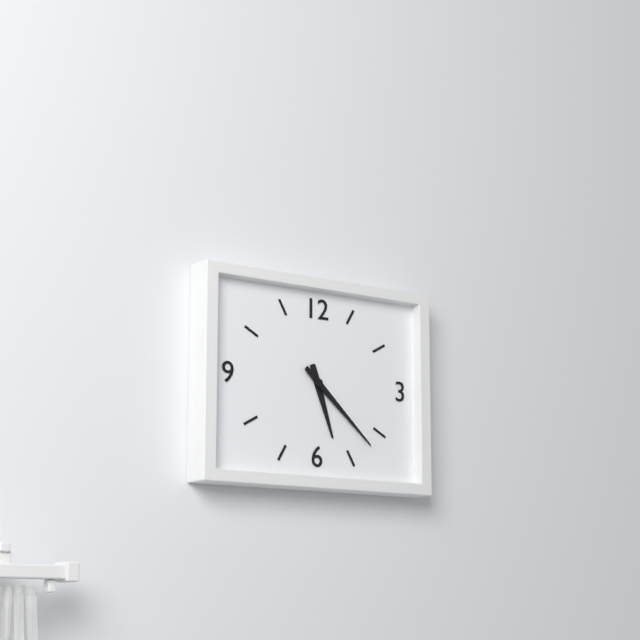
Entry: **5:22**
